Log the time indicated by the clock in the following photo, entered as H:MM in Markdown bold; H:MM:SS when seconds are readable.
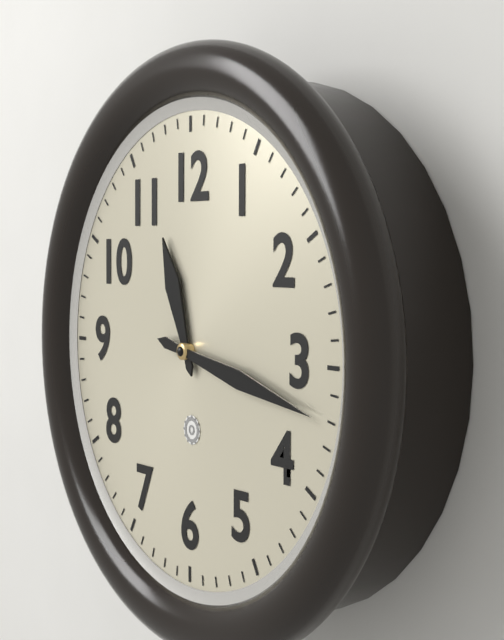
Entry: **11:17**
